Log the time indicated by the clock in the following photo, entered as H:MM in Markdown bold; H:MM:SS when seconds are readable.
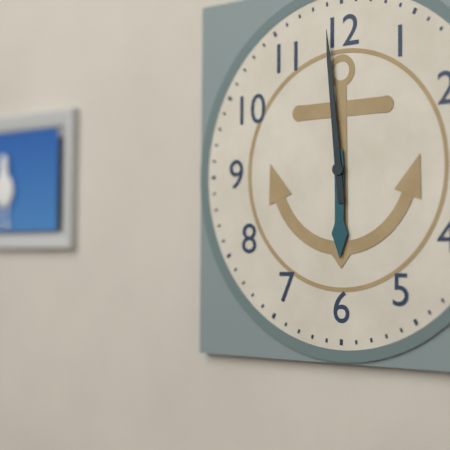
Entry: **5:59**
